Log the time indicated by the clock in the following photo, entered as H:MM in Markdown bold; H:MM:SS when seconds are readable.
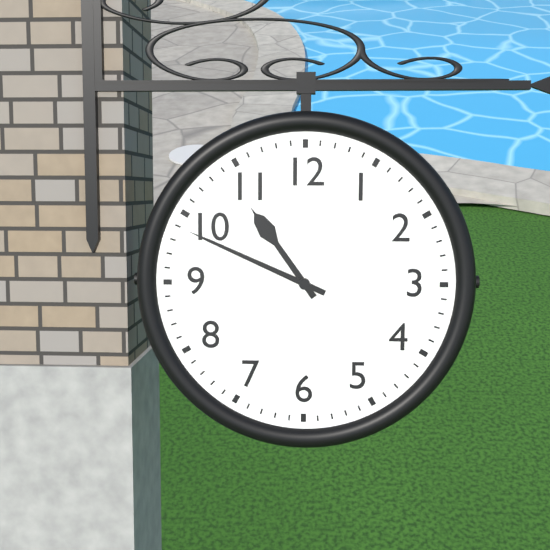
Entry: **10:49**
